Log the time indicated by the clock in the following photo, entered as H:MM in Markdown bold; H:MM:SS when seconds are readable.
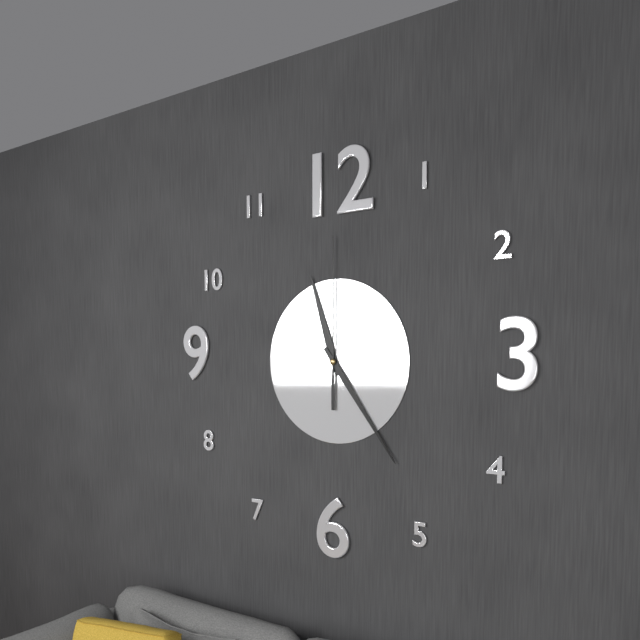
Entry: **11:24:00**
